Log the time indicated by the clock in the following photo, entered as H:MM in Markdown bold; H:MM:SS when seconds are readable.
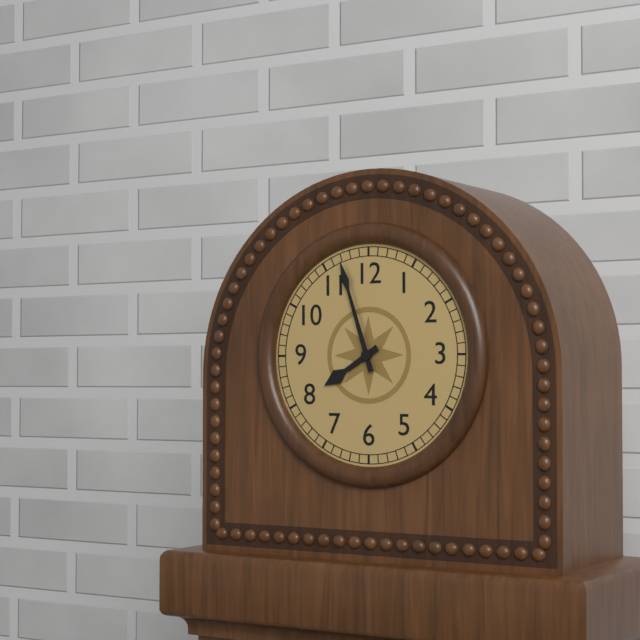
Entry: **7:57**
